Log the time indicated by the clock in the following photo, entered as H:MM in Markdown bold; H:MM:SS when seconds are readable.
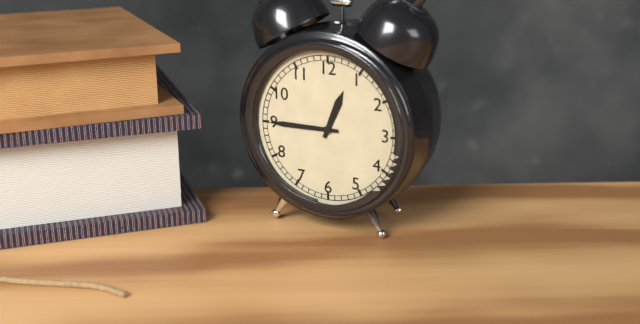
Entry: **12:45**
